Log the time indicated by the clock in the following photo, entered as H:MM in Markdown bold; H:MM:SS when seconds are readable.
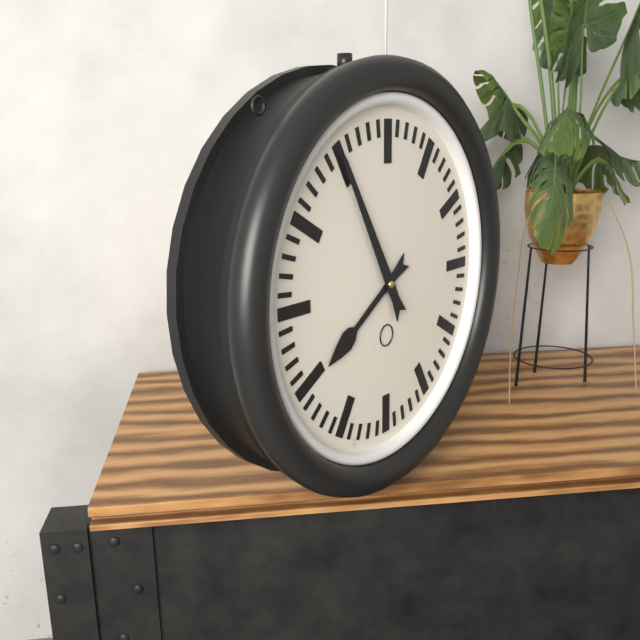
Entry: **7:55**
